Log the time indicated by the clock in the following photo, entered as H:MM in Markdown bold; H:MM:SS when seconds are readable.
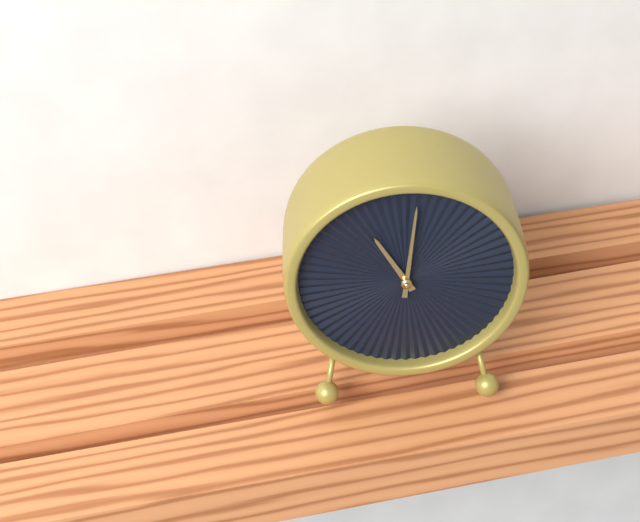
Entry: **11:01**
